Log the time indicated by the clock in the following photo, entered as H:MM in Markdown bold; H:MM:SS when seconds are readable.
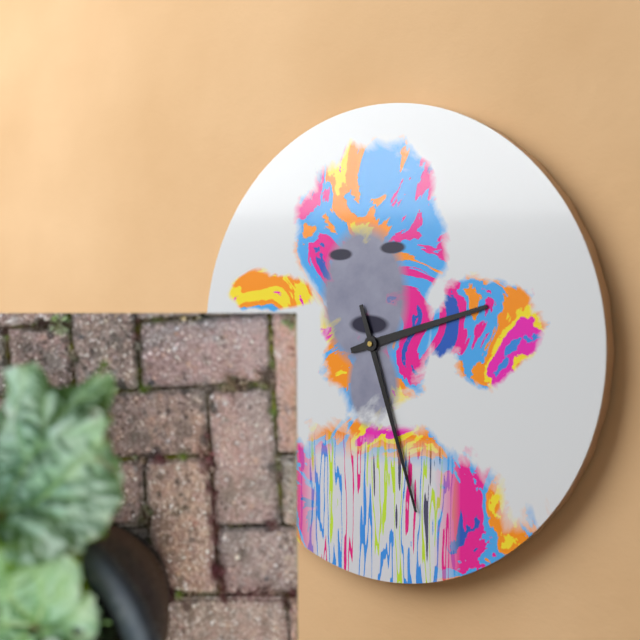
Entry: **2:27**
